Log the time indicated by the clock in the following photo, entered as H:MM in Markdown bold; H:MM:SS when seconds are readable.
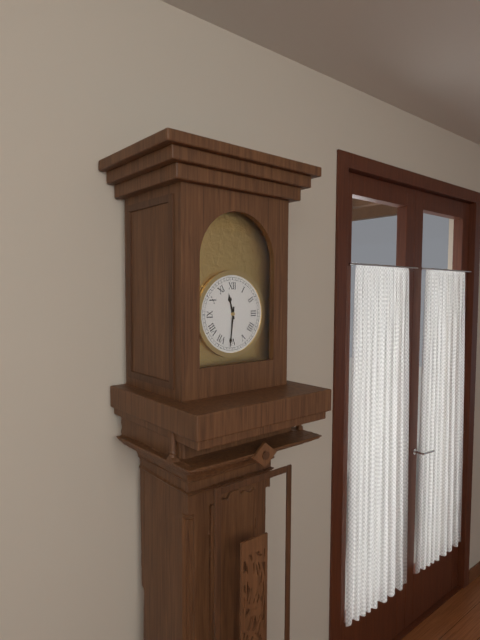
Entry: **11:31**
